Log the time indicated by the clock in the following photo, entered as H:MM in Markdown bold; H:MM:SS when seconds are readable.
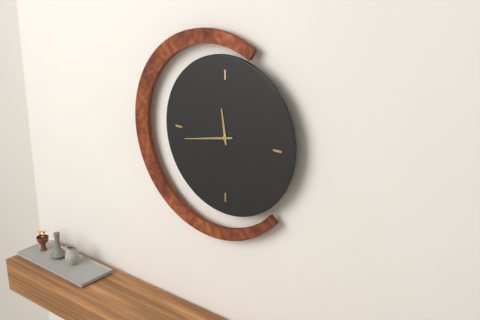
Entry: **11:43**
